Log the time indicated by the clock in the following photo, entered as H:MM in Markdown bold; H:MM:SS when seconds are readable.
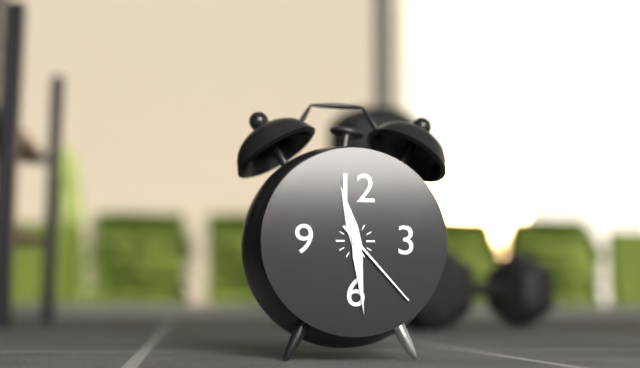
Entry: **11:29:23**
